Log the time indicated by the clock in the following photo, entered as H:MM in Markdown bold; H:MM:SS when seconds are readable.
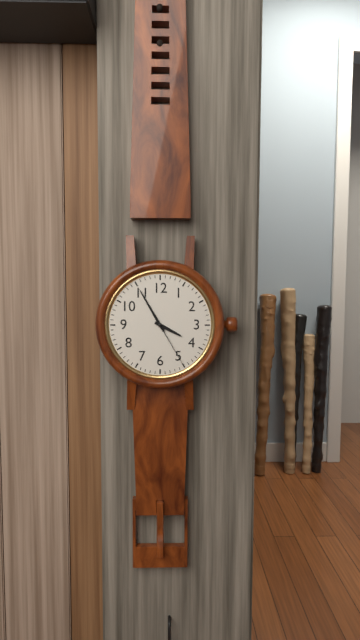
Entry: **3:55:25**
